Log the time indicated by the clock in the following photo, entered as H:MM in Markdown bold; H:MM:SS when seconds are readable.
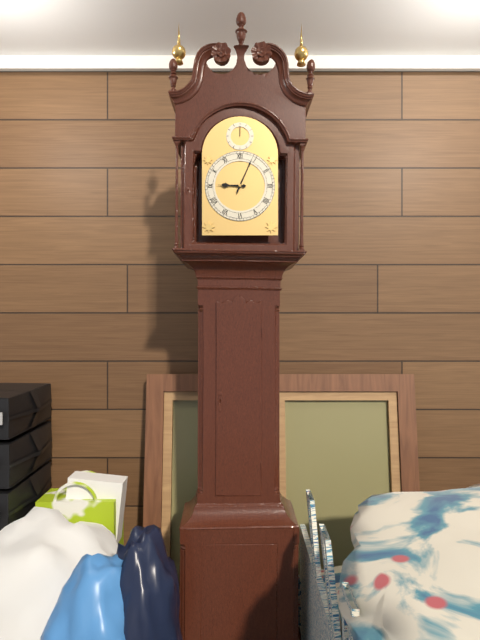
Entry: **9:04**
